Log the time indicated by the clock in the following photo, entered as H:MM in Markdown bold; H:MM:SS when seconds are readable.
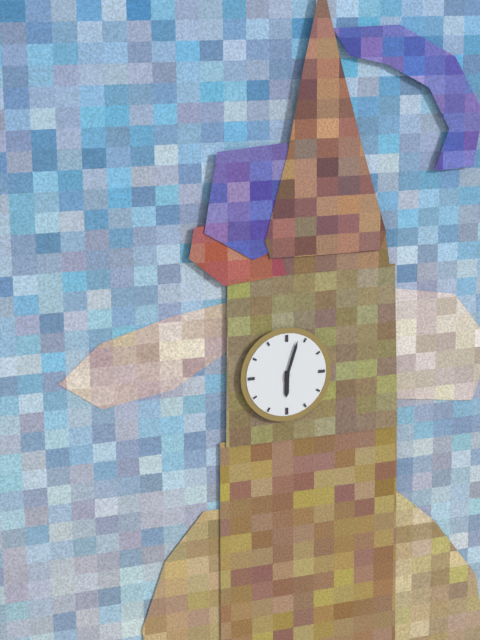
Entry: **6:03**
